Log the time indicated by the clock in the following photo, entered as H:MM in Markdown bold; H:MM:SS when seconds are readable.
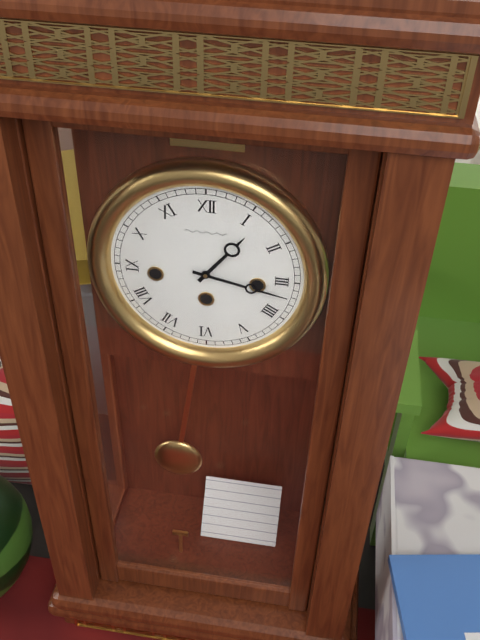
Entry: **1:17**
